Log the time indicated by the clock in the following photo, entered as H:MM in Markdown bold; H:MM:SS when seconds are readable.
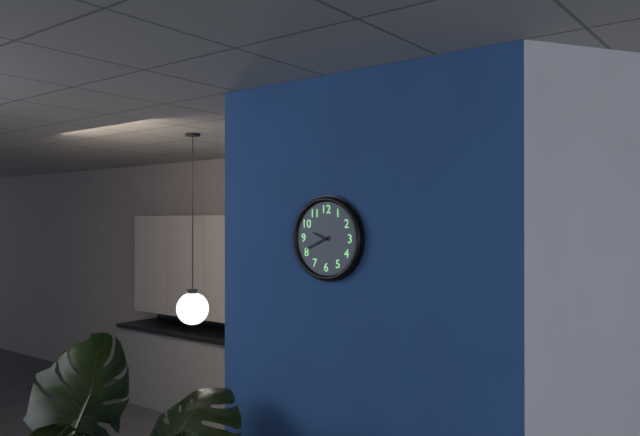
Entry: **9:41**
